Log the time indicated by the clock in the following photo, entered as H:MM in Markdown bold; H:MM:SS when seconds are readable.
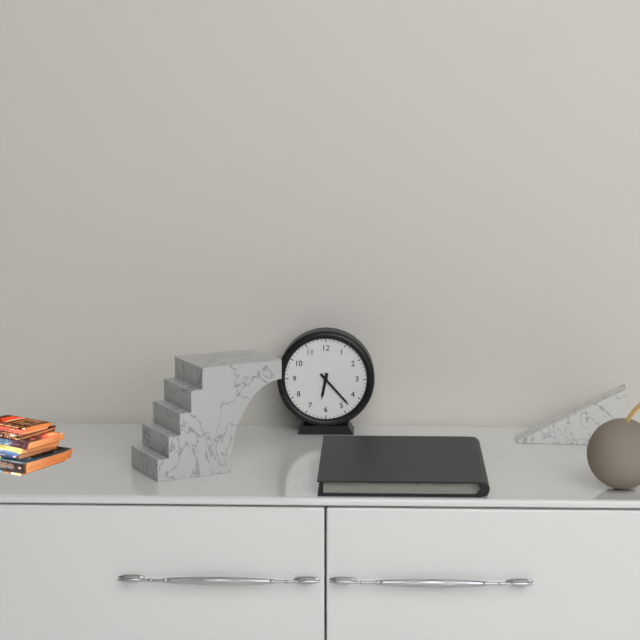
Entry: **6:23**
